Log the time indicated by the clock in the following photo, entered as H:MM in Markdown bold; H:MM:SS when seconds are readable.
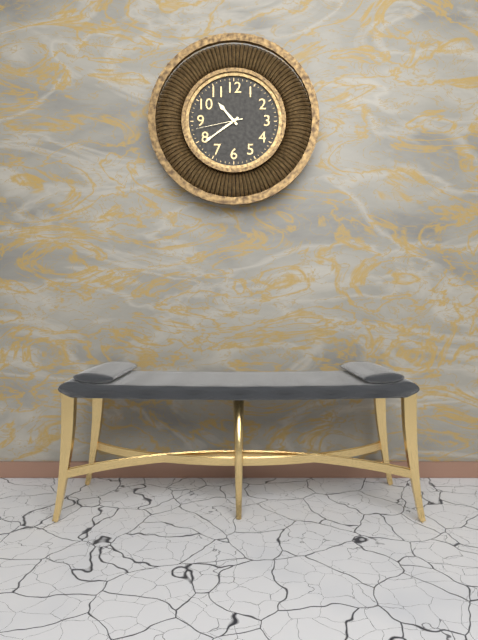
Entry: **10:39**
